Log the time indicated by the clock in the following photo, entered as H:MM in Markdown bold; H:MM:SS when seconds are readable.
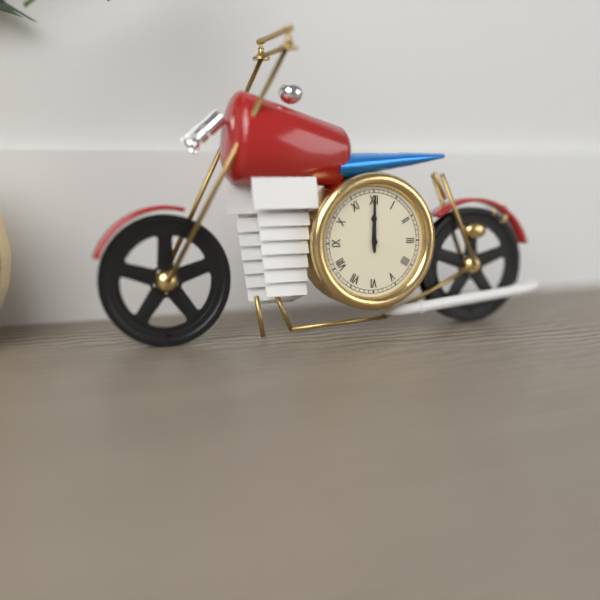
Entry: **12:00**
